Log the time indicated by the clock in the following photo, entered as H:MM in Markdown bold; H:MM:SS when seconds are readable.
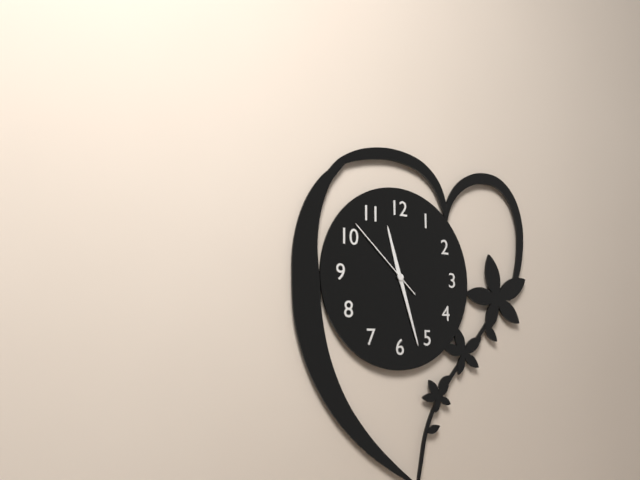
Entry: **11:27:52**
